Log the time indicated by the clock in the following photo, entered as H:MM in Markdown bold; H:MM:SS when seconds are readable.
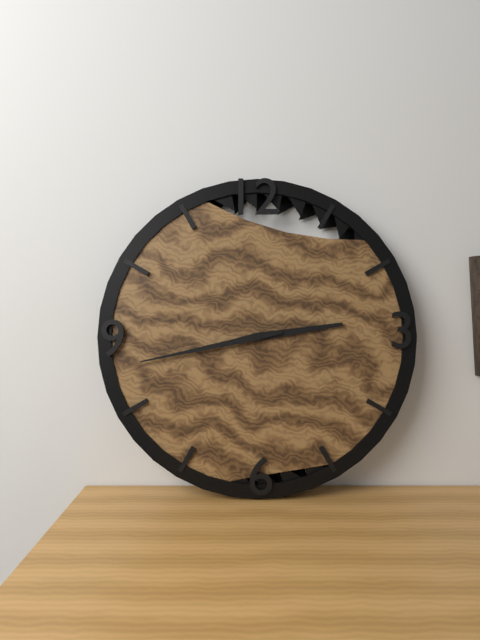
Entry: **2:43**
